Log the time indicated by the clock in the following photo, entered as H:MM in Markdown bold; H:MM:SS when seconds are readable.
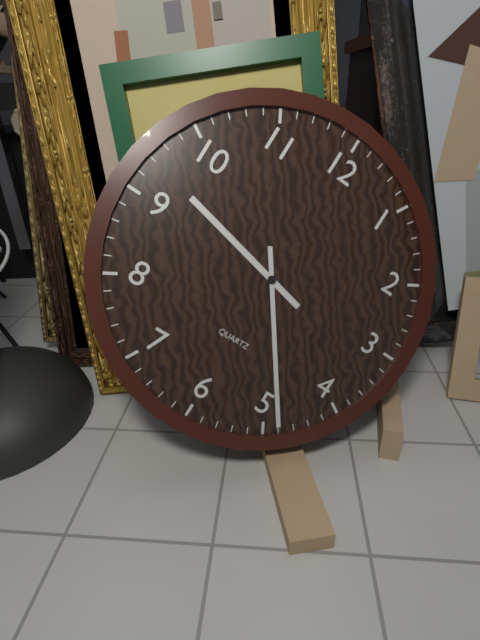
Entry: **9:24**
